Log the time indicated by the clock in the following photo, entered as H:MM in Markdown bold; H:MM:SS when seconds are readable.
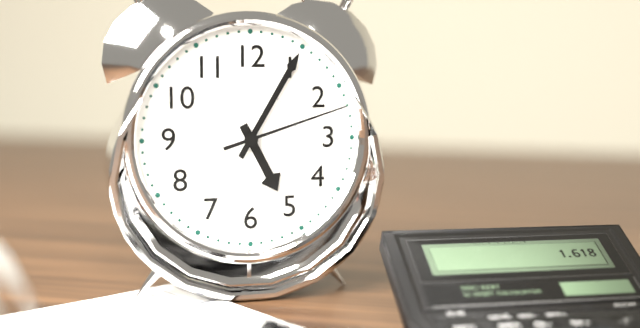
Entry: **5:05:12**
